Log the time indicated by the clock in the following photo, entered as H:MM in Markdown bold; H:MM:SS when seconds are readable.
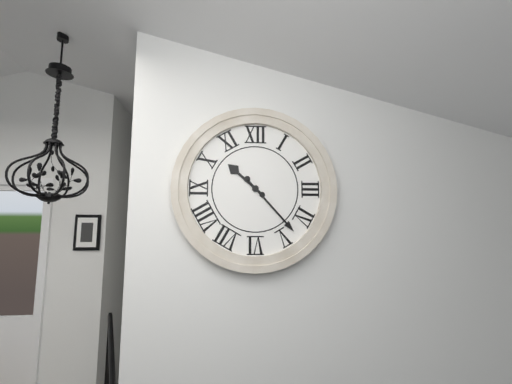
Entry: **10:23**
